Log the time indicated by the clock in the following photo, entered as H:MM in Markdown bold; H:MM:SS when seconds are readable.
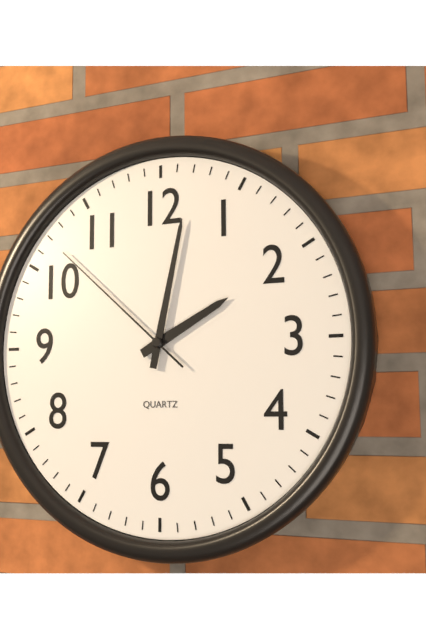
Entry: **2:02:52**
